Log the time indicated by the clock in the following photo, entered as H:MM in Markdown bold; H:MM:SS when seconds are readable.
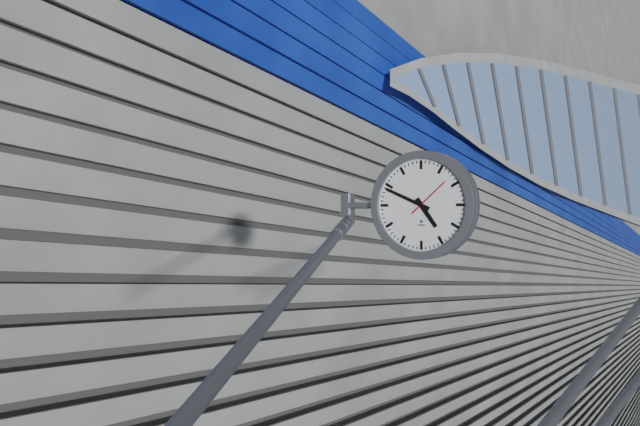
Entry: **4:49**
